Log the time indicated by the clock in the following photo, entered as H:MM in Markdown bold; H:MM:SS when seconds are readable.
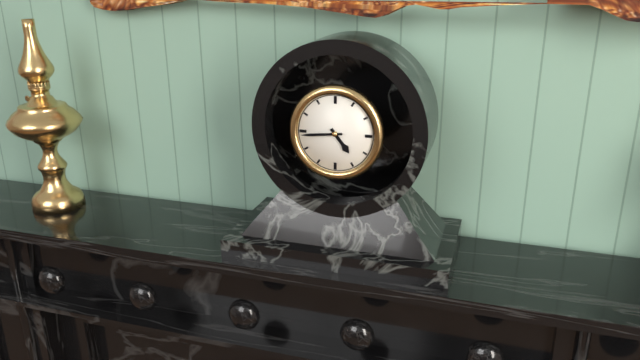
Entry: **4:44**
